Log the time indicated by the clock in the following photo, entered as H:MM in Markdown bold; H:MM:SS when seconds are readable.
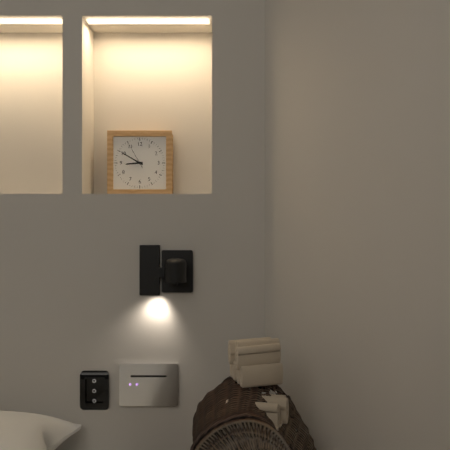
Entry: **8:50**
